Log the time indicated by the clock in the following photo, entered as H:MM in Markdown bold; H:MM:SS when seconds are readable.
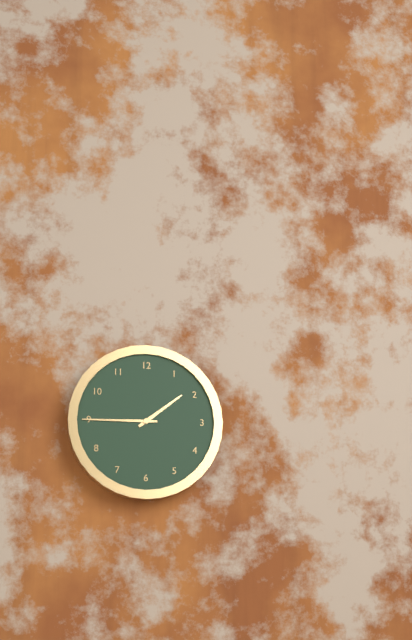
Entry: **1:45**
